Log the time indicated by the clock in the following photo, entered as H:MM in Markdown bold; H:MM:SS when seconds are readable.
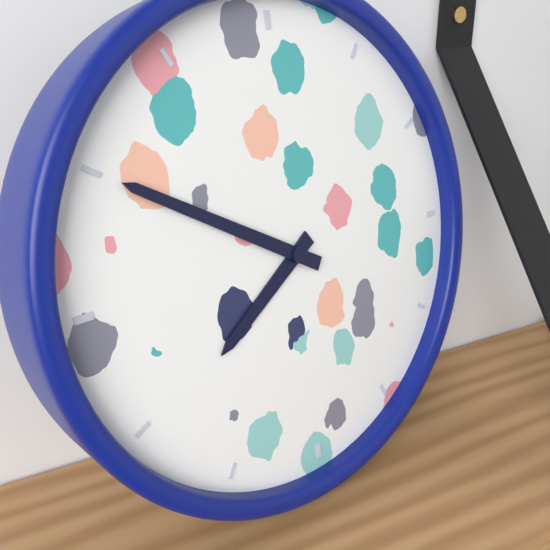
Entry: **7:50**
